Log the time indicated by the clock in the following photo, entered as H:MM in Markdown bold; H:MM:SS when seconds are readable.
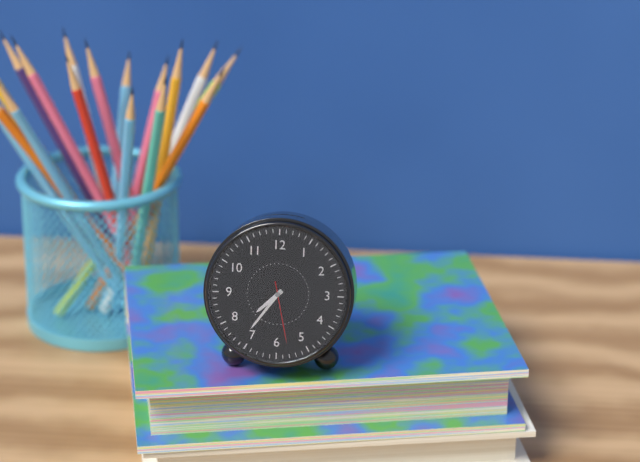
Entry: **7:36:28**
